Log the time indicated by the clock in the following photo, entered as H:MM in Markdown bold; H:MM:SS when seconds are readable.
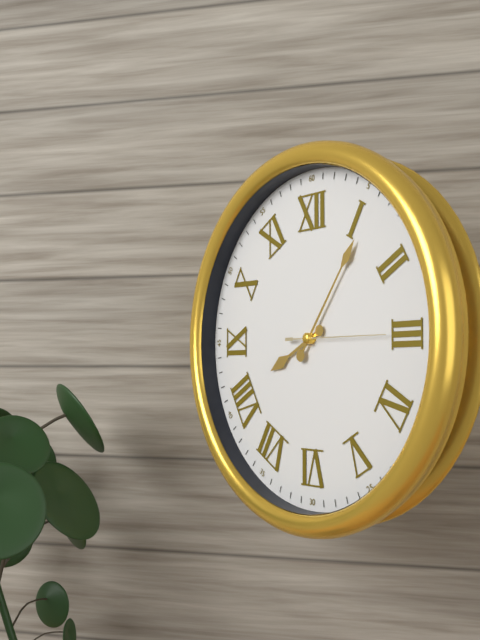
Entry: **8:06:15**
